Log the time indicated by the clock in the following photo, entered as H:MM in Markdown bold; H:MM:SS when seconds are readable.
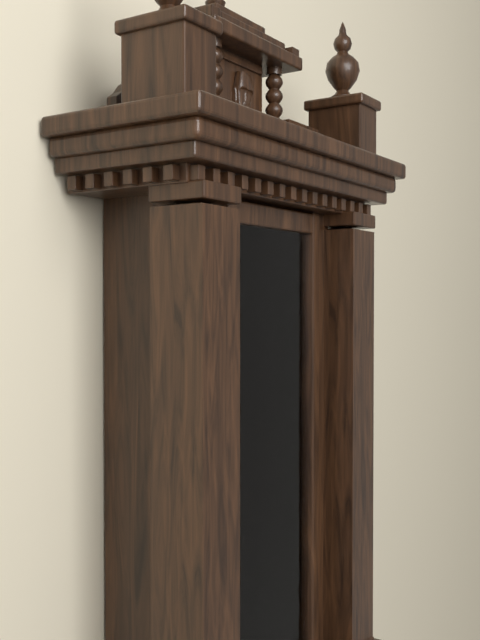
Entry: **7:28**
